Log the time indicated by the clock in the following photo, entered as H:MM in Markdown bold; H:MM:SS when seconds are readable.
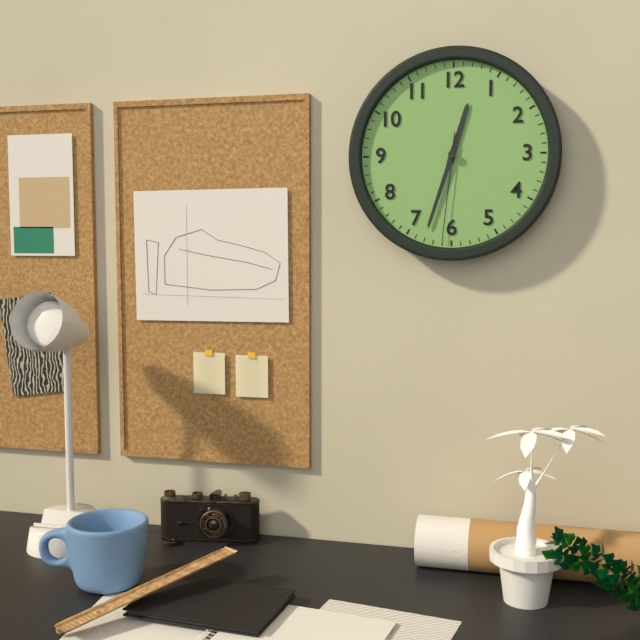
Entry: **12:33:31**
